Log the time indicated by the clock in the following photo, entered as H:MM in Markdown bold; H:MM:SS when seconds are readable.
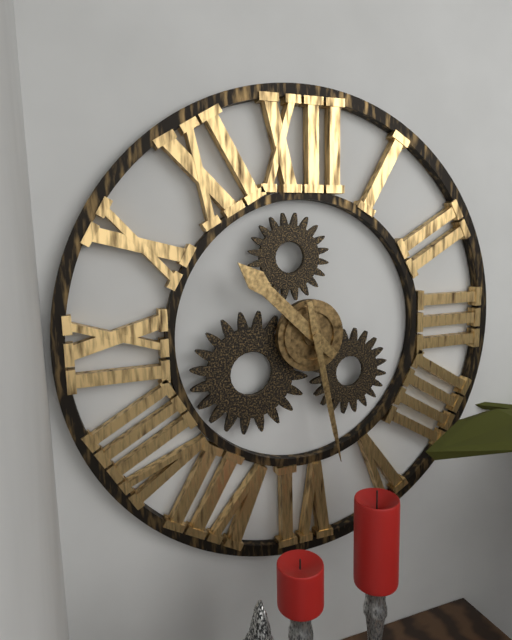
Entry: **10:28**
